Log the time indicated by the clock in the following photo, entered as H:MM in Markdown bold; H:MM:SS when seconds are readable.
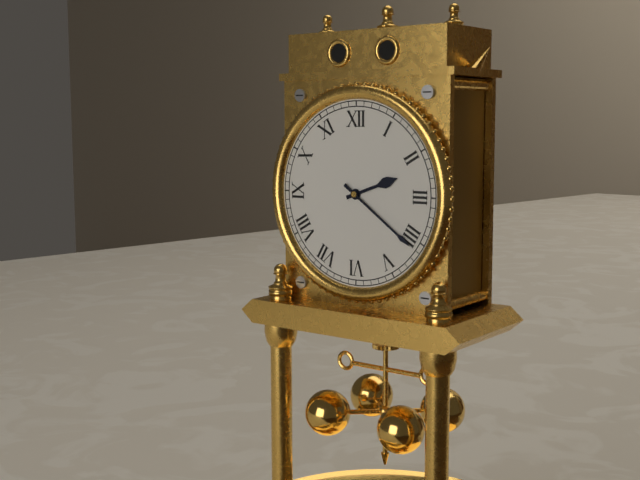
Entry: **2:21**
